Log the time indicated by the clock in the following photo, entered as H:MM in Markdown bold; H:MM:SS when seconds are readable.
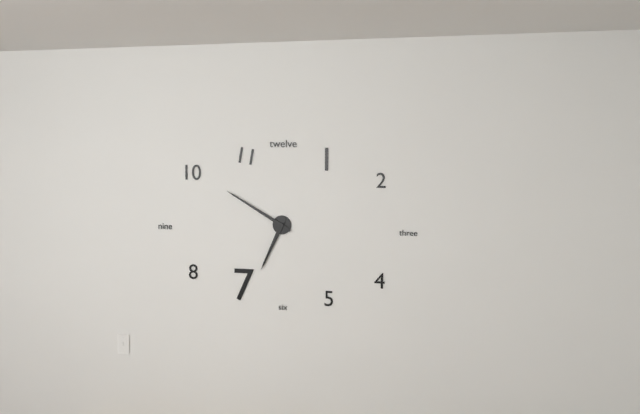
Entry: **6:50**
